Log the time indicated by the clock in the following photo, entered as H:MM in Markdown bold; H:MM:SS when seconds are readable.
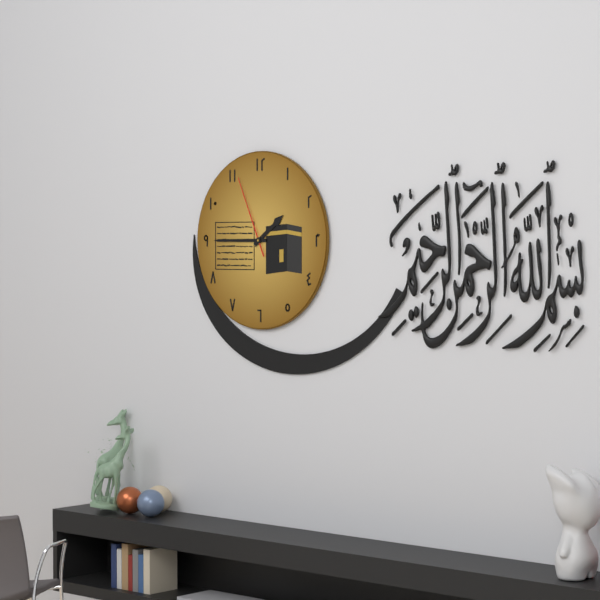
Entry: **1:45:56**
